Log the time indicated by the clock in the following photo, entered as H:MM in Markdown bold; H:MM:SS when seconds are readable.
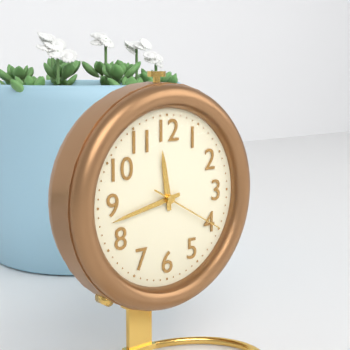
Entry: **11:43:20**
